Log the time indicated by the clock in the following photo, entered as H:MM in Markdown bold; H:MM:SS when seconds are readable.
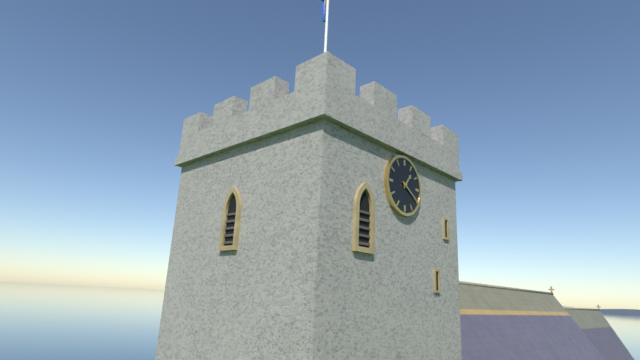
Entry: **1:20**
